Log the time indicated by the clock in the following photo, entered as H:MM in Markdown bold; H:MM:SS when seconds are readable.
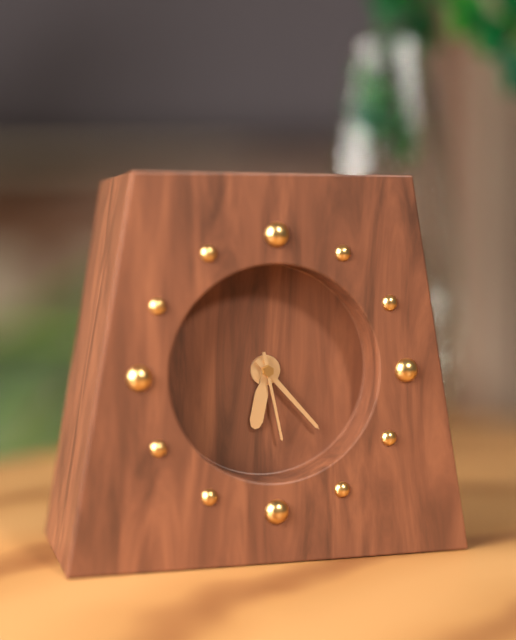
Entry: **6:23:28**
